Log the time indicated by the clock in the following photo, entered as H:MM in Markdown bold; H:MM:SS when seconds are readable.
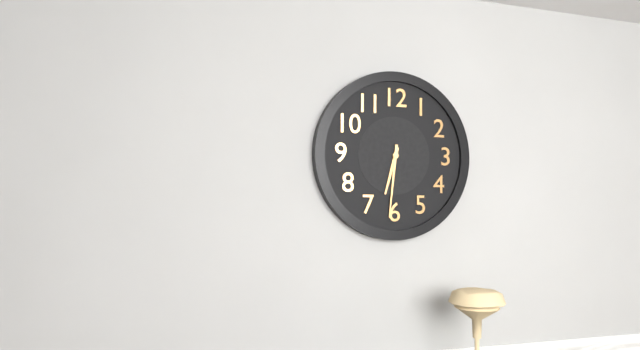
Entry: **6:31**
